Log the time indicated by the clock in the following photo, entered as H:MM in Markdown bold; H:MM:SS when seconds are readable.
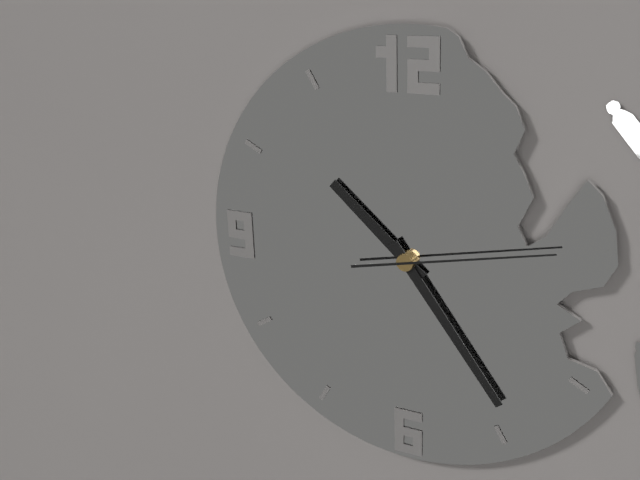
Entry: **10:24:13**
